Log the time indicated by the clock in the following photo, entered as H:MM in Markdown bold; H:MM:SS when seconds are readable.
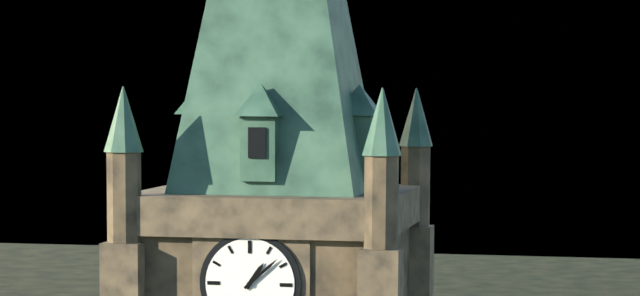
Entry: **1:08**
